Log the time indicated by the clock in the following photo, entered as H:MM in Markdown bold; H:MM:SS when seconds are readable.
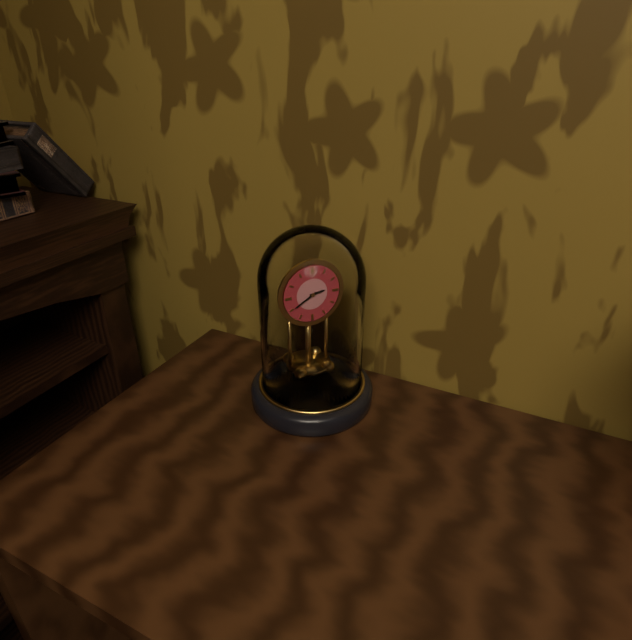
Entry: **2:40**
